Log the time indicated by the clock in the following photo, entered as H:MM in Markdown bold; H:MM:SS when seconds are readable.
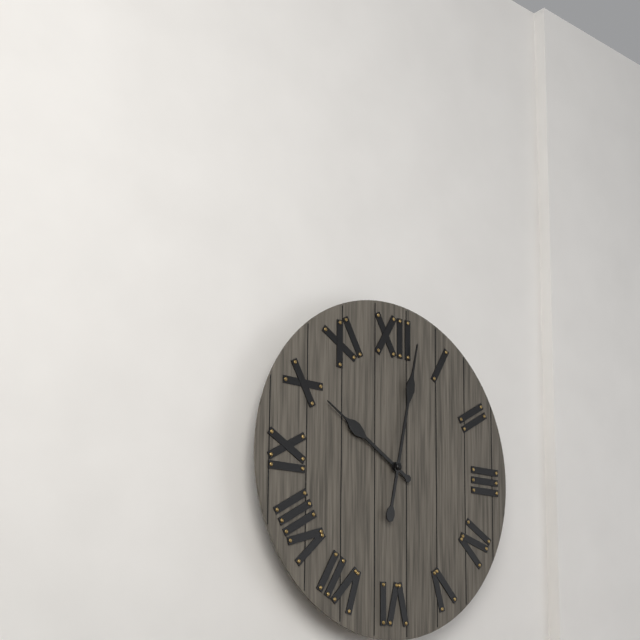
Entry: **10:02**
